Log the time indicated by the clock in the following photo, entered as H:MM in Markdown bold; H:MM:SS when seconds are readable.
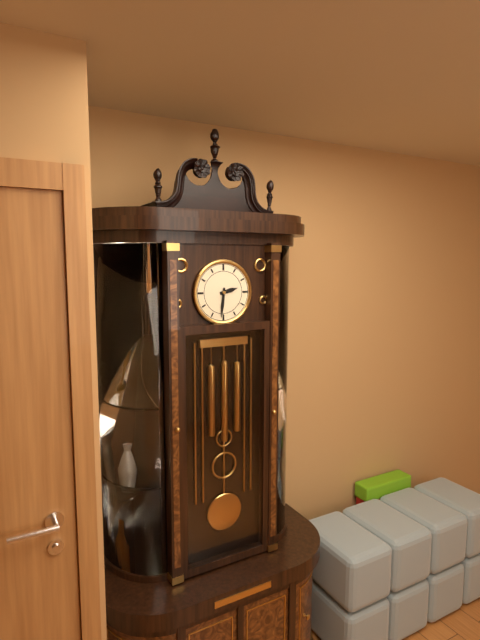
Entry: **2:31**
